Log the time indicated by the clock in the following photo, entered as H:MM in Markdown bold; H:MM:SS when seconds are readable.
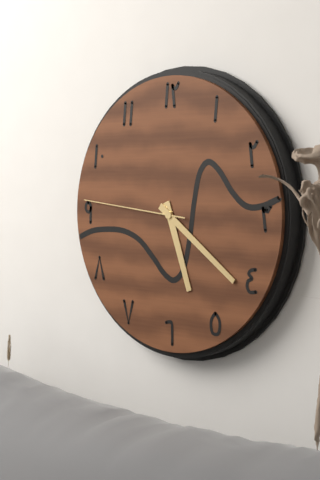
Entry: **5:21:46**
